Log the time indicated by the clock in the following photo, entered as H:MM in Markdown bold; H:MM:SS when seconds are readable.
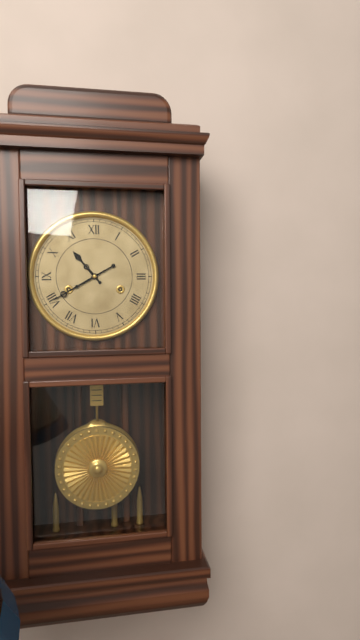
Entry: **10:40**
